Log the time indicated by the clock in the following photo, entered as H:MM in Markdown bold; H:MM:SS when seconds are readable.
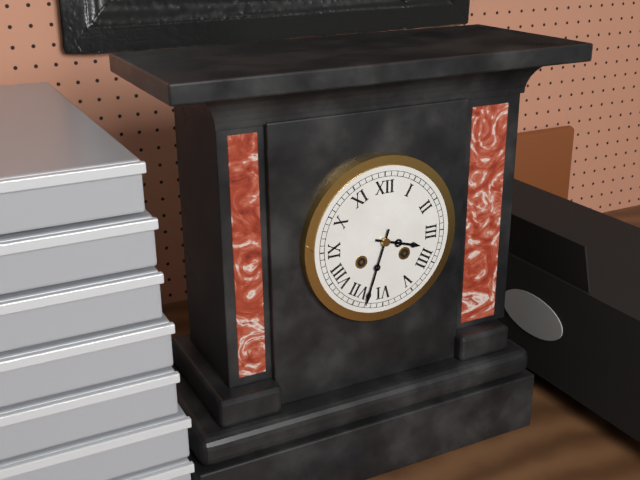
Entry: **3:33**
